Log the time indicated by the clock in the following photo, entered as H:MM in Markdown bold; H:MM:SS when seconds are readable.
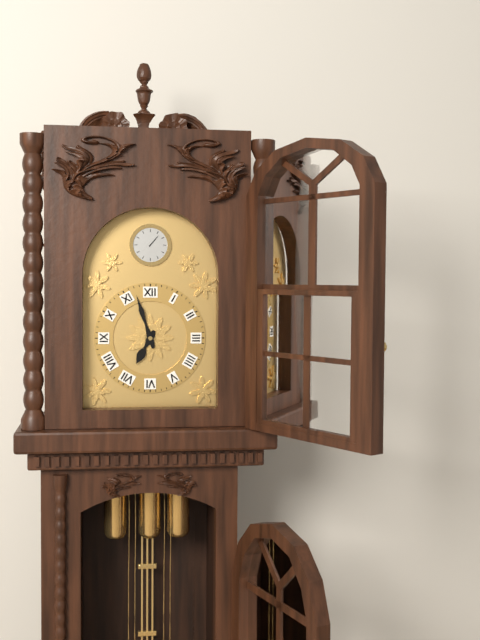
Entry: **6:57**
